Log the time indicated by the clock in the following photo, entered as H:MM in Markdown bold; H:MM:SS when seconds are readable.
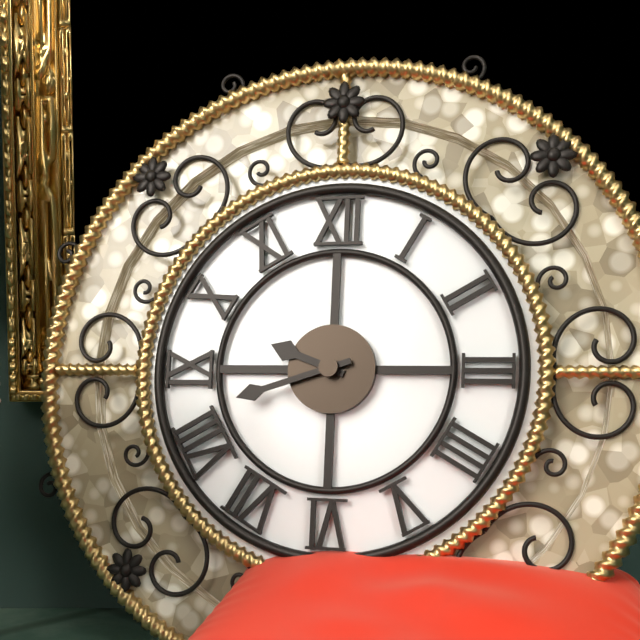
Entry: **9:42**
